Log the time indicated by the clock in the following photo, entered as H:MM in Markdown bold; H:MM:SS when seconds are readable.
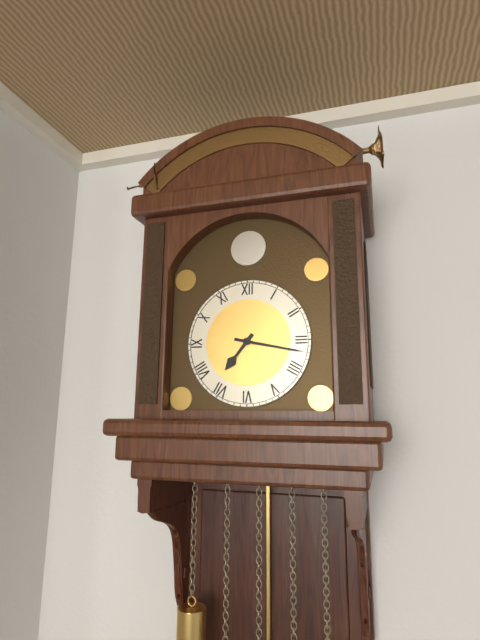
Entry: **7:17**
